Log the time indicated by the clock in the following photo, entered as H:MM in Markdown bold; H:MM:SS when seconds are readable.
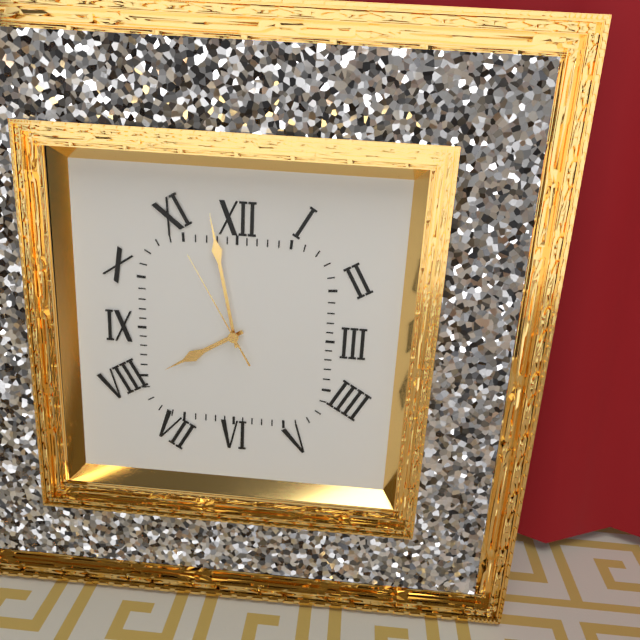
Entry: **7:58:55**
